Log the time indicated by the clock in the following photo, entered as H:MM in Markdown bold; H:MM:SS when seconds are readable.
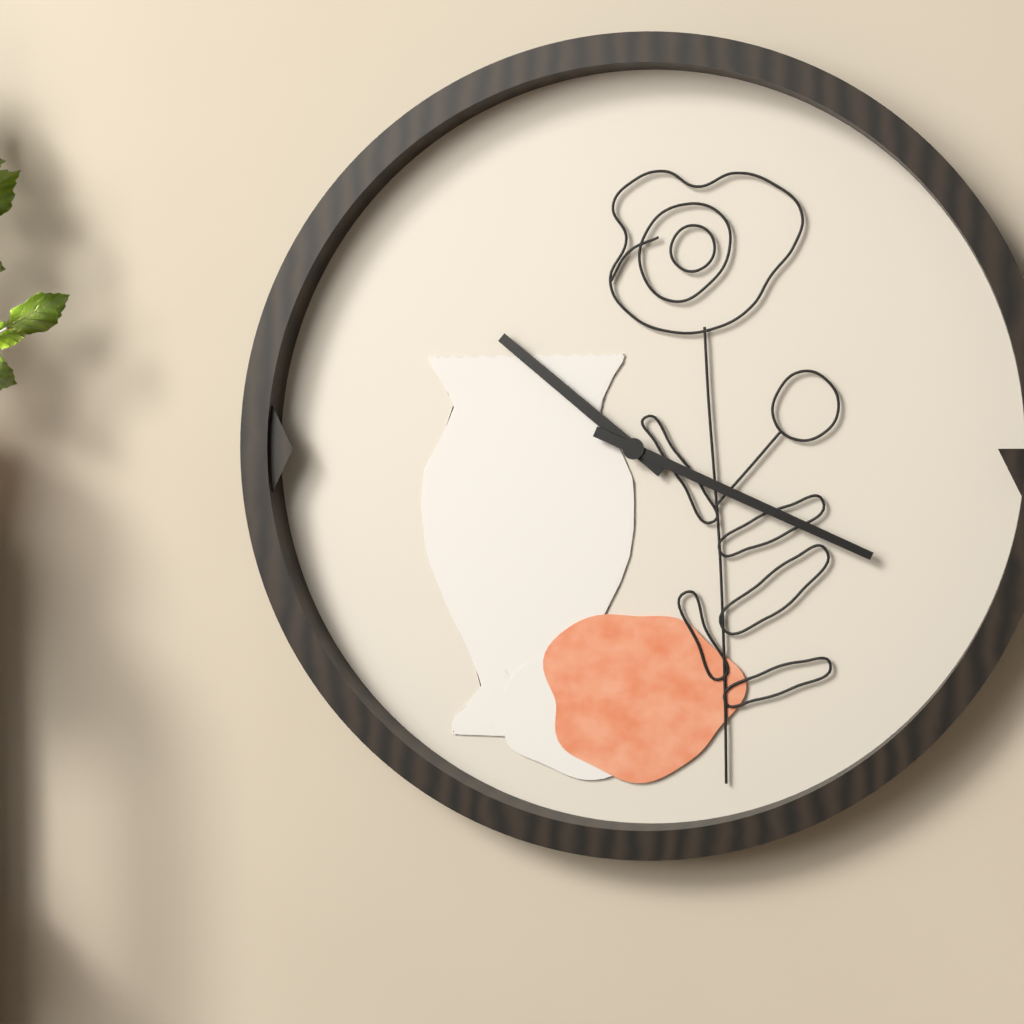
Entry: **10:19**
